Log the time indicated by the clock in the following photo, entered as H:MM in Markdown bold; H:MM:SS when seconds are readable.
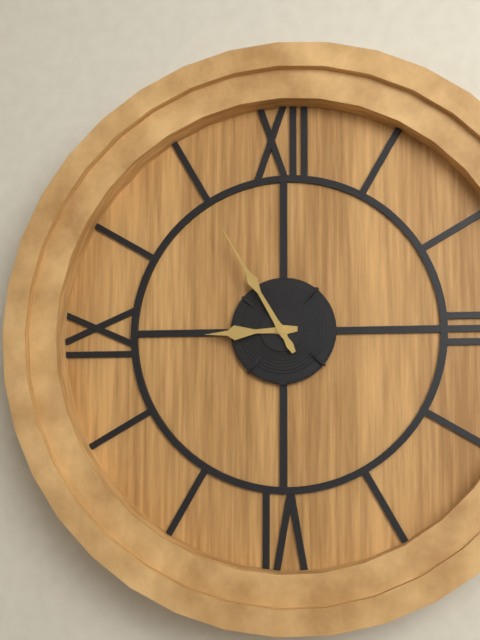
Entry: **8:55**
